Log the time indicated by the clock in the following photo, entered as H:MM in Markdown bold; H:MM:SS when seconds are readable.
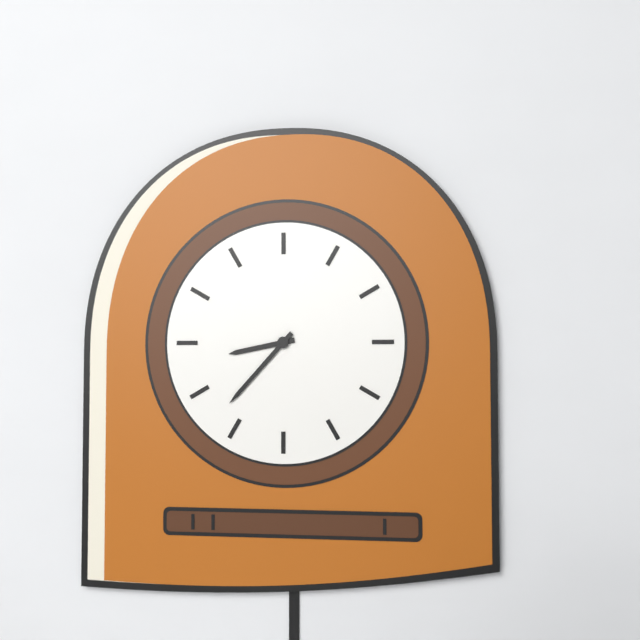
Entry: **8:37**
